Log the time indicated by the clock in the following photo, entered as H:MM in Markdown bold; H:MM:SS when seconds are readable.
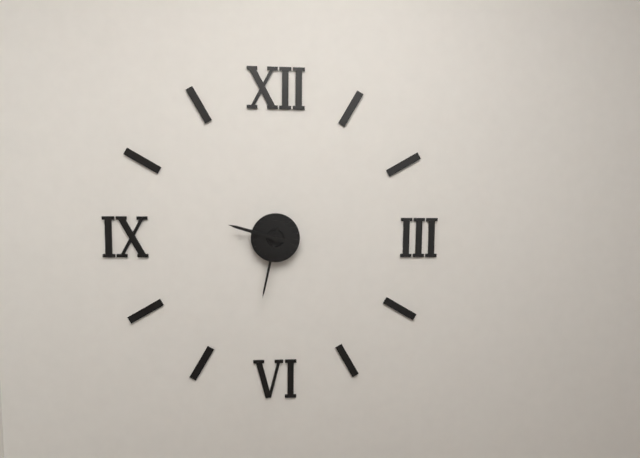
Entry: **9:32**
